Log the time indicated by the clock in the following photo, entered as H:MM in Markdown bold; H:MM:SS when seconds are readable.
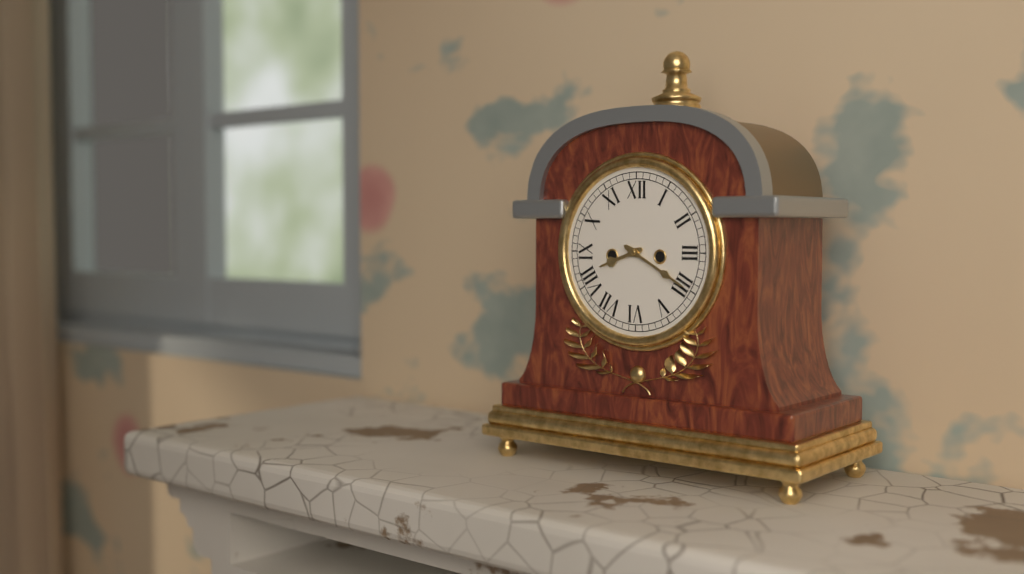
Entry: **8:20**
